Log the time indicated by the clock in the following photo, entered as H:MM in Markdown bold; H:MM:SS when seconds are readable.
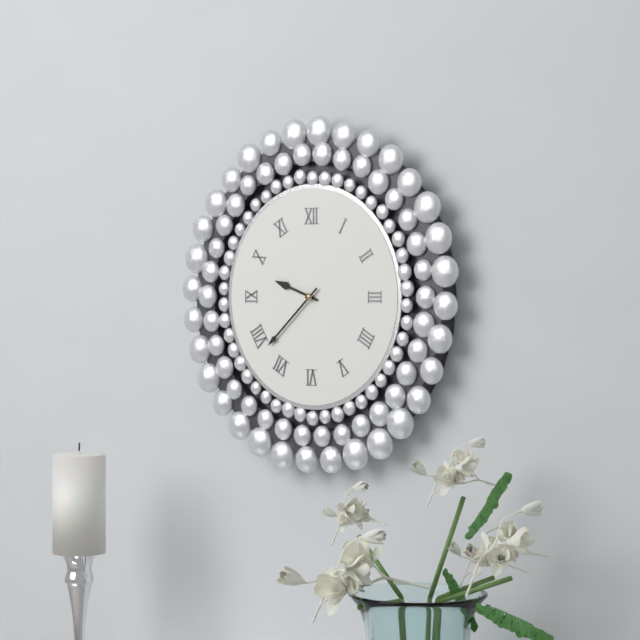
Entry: **9:38**
